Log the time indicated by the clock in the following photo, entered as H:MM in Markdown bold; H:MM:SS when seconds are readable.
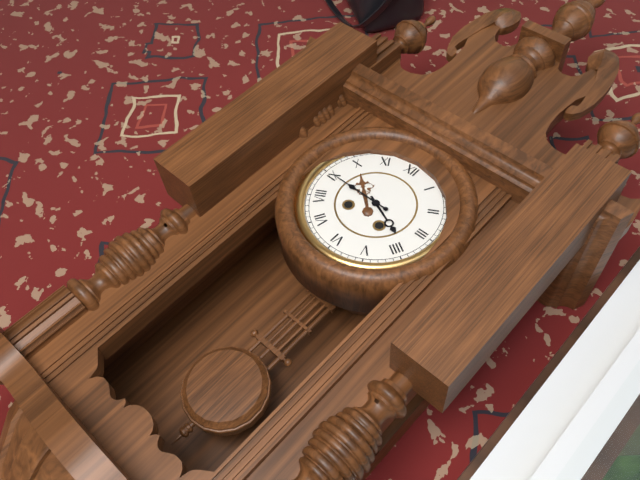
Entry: **3:45**
